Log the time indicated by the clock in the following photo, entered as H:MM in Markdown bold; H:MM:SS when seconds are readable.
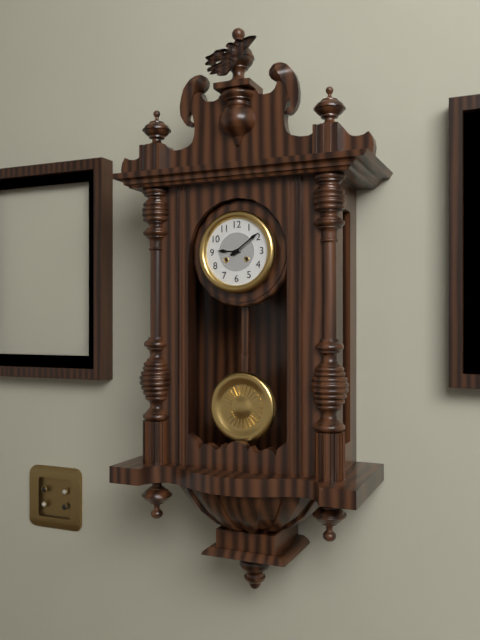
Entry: **9:09**
